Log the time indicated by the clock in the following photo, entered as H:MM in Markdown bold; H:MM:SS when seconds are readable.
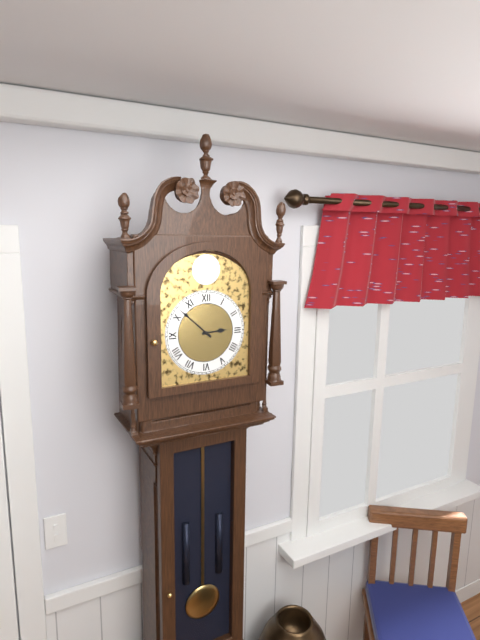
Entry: **2:52**
